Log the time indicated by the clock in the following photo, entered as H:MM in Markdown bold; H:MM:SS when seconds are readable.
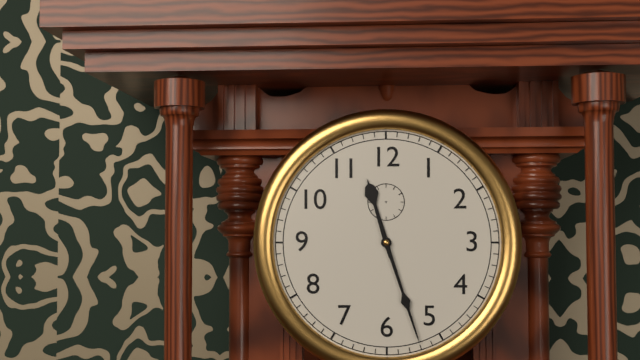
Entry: **11:27**
